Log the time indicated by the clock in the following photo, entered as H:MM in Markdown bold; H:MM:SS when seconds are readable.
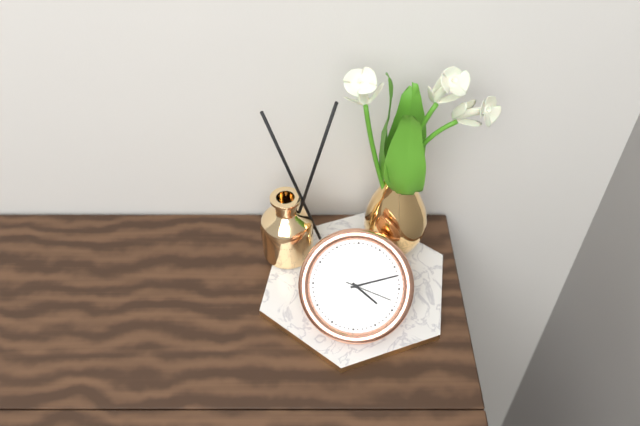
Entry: **4:12**
